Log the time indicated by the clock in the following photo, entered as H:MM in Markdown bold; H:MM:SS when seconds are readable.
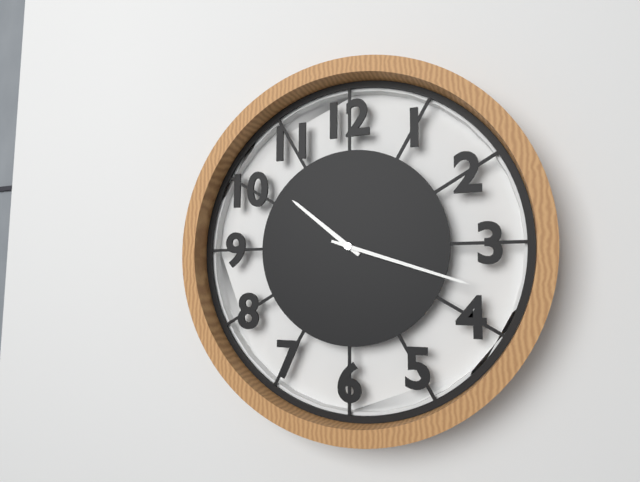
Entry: **10:18**
